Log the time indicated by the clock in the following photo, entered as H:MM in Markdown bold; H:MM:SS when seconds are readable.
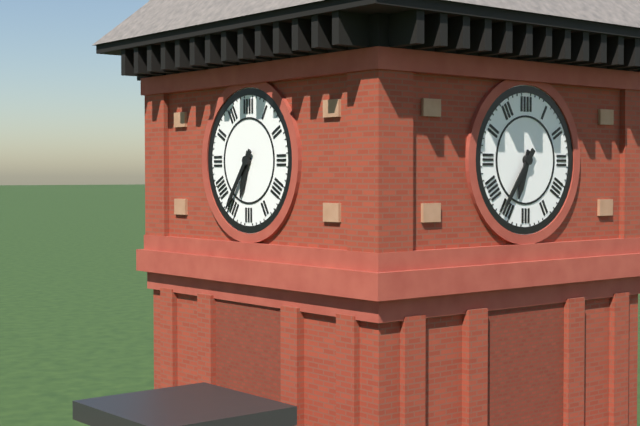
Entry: **6:36**
